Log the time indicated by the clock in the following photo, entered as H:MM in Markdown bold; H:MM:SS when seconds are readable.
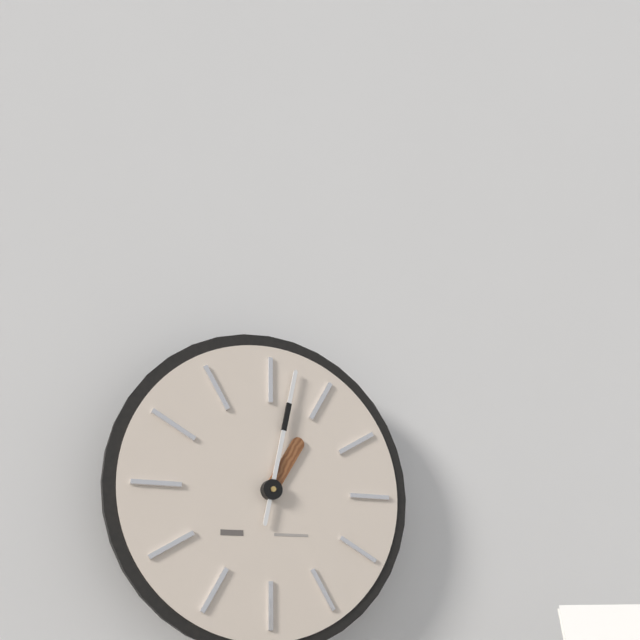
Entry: **1:02**
